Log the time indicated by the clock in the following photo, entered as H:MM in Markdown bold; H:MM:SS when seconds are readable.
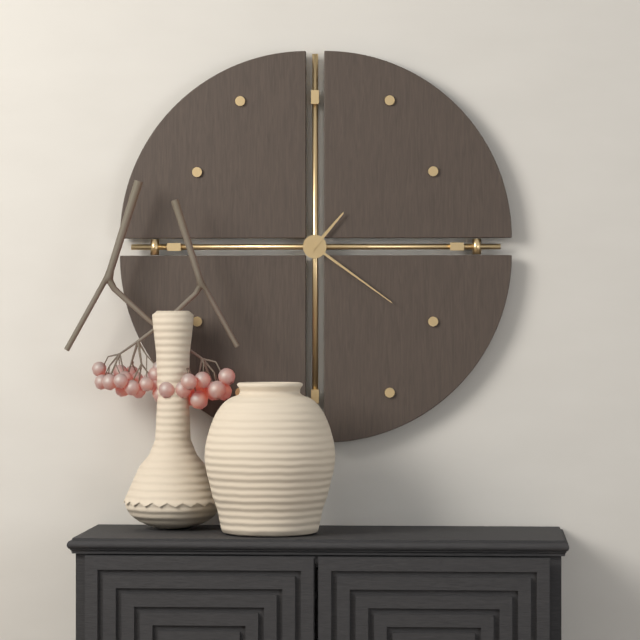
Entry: **1:21**
